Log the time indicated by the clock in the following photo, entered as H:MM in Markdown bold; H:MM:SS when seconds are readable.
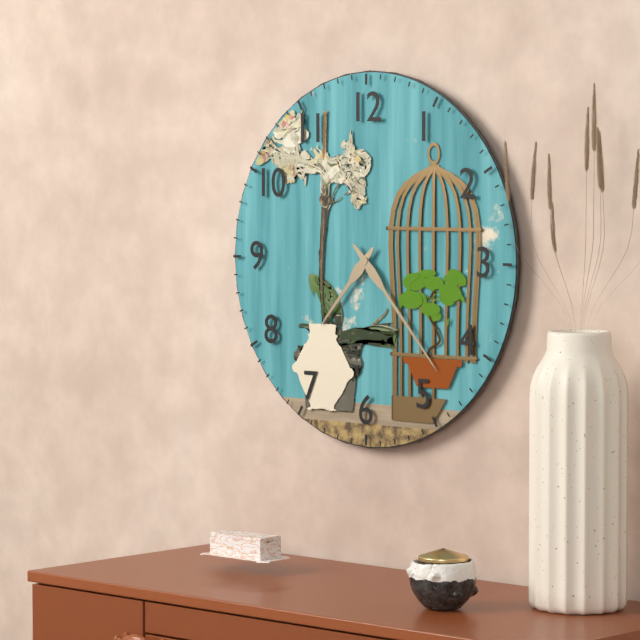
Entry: **7:23**
